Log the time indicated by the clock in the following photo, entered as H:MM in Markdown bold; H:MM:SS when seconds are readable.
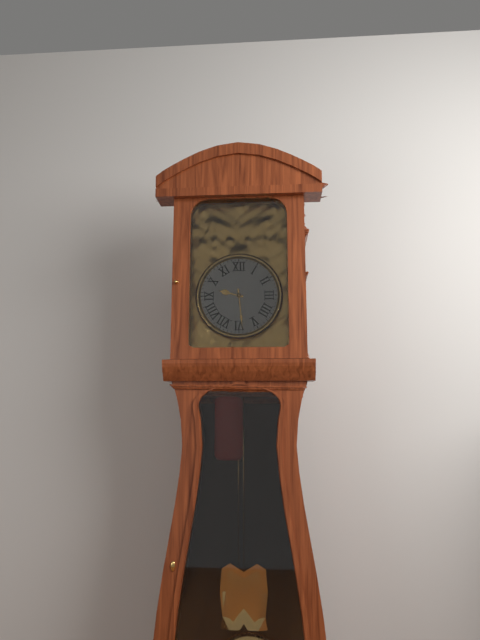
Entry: **9:29**
